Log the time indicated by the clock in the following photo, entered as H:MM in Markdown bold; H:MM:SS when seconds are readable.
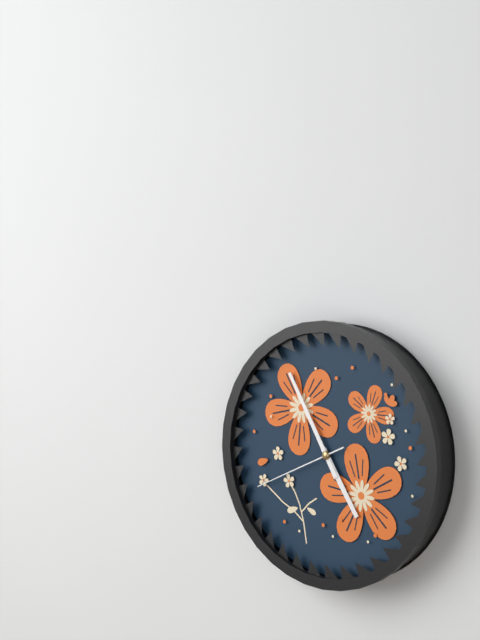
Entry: **4:55:41**
